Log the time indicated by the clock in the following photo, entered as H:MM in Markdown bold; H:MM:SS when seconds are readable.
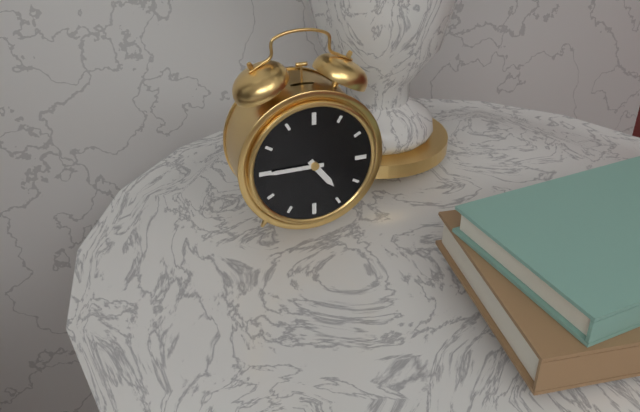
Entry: **4:45**
